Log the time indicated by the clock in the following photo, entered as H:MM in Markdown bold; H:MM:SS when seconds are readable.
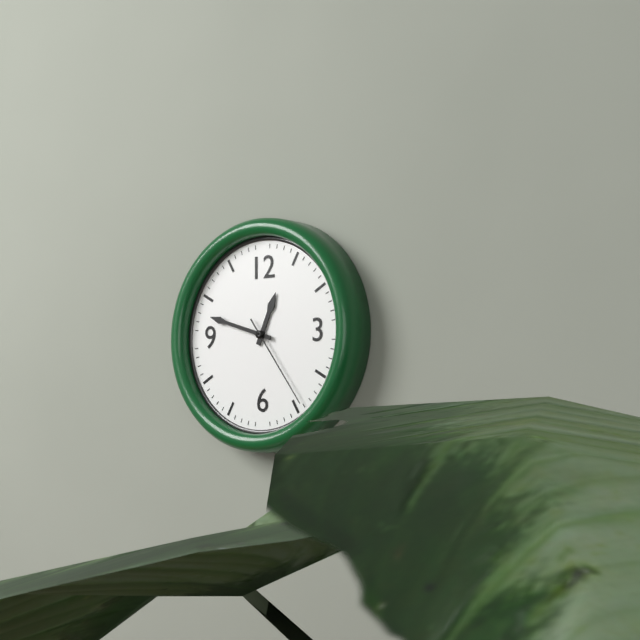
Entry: **12:48:24**
